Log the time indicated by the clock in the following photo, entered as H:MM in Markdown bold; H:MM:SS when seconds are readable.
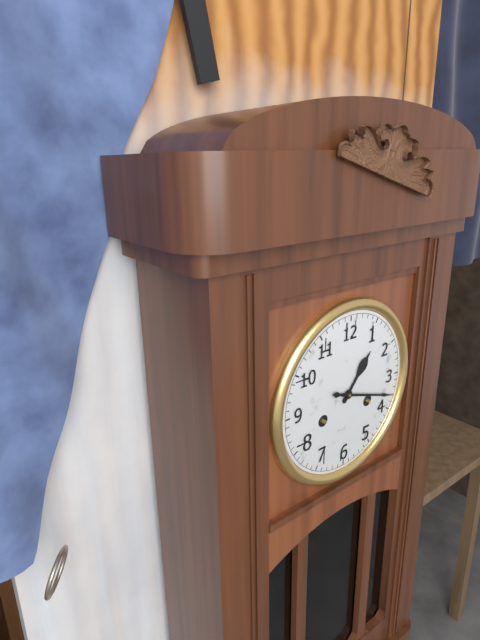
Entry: **1:18**
